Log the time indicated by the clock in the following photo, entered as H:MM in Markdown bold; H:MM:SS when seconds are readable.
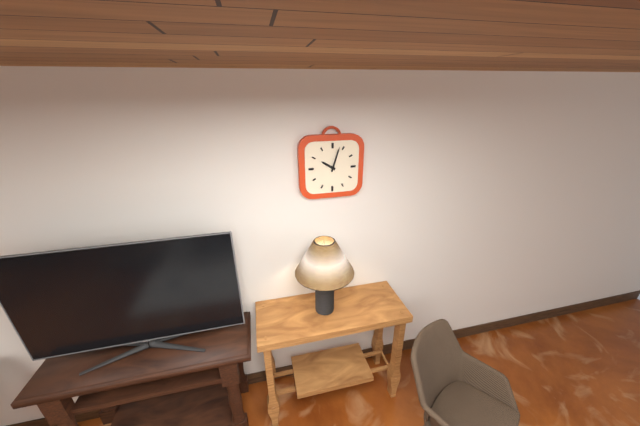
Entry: **10:03**
